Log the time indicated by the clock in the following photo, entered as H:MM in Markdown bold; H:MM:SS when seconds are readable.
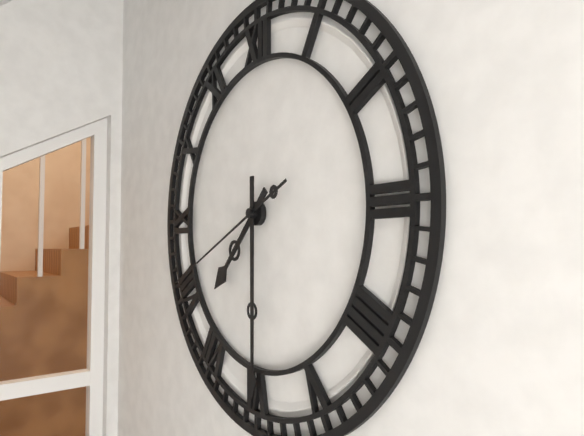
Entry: **7:30:41**
